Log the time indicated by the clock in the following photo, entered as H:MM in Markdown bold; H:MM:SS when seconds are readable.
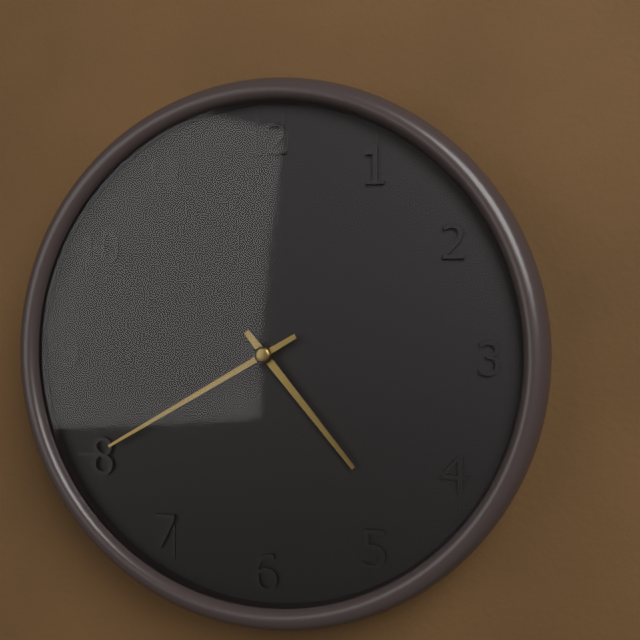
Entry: **4:40**
